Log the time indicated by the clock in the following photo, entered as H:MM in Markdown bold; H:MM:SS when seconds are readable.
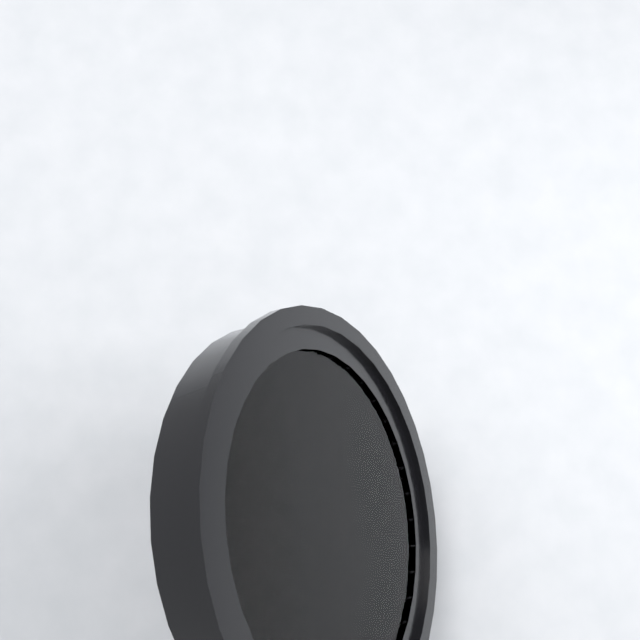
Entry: **9:01:53**
